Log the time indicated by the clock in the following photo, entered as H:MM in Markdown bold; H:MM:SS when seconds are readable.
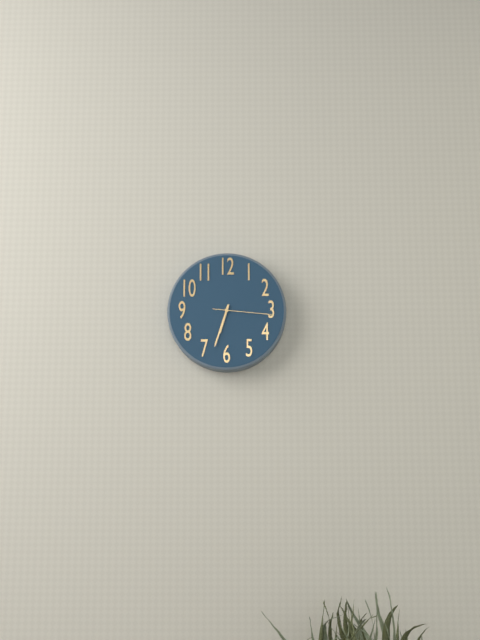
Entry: **6:33:16**
